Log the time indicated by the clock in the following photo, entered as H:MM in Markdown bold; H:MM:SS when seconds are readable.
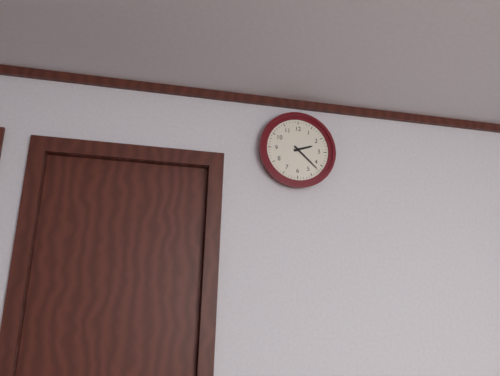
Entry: **2:22**
